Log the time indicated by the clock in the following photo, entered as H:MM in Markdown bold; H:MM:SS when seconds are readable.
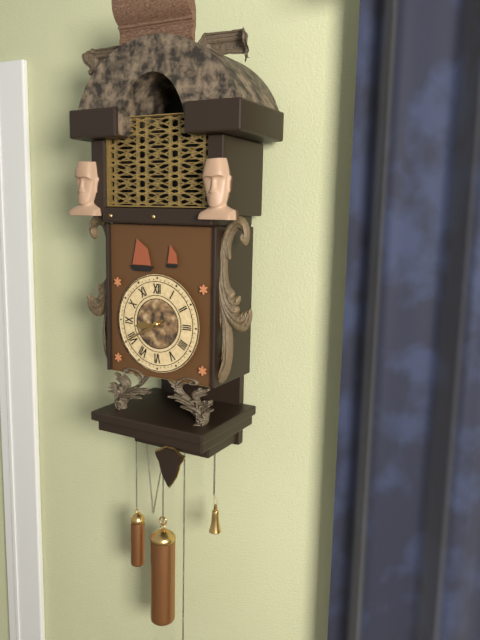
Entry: **8:40**
